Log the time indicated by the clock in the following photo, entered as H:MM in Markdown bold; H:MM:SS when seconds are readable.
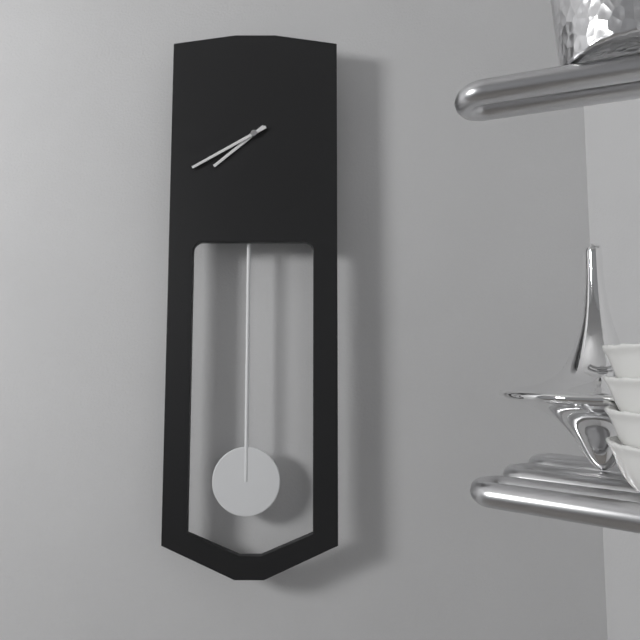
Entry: **7:40**
